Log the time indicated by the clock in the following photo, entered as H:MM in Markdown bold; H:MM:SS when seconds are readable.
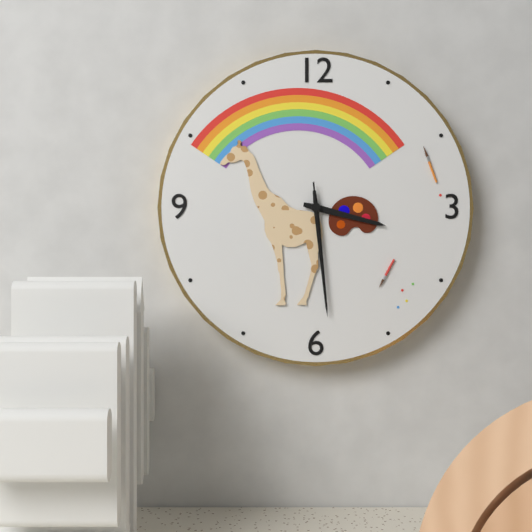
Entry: **3:29:29**
